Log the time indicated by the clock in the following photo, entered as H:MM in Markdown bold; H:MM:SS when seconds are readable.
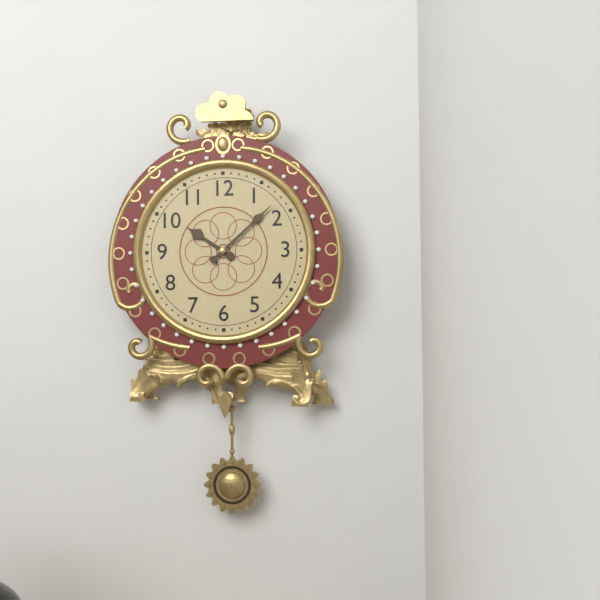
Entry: **10:08**
